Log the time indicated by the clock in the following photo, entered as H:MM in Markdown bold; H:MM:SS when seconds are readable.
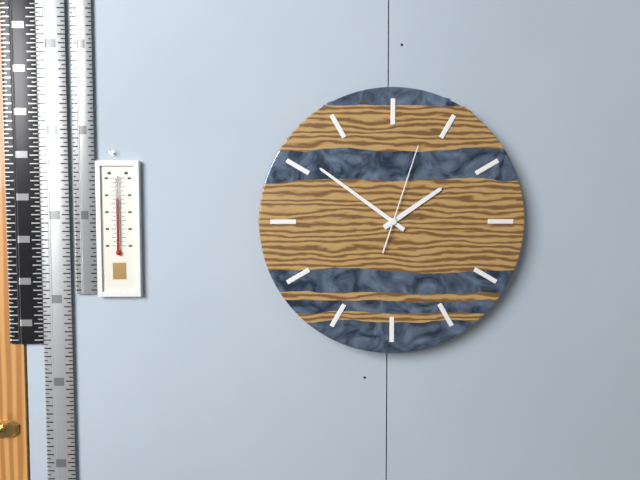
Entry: **1:51:03**
